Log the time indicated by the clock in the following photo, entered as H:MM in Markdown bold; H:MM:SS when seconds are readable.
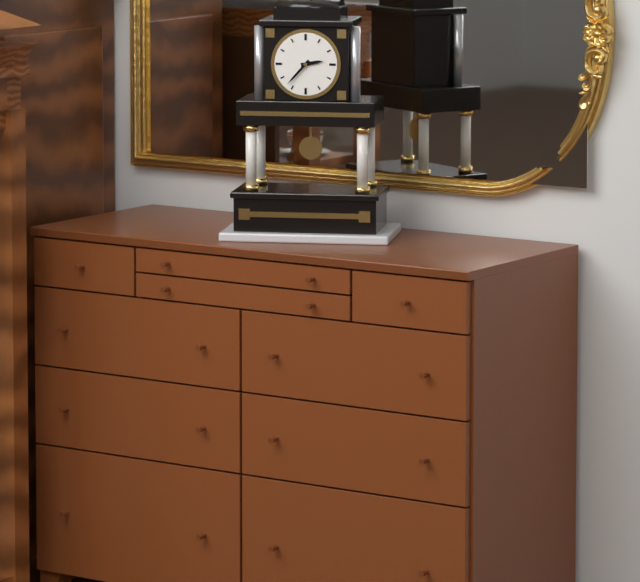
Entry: **2:37**
